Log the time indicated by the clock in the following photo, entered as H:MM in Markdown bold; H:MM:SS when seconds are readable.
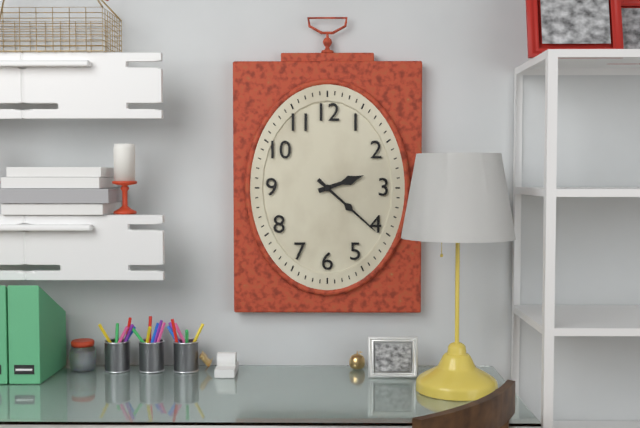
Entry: **2:22**
